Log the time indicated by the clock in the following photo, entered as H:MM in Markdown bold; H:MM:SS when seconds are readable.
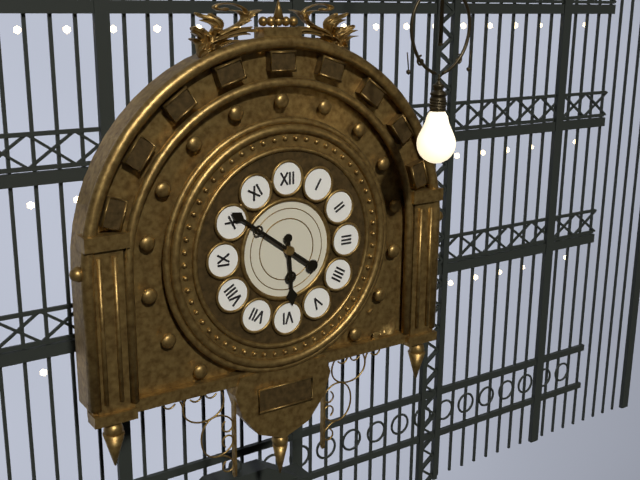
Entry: **5:51**
